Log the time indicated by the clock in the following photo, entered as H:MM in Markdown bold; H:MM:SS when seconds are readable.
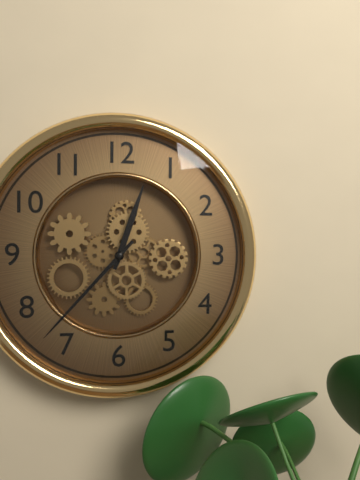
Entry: **12:37**
